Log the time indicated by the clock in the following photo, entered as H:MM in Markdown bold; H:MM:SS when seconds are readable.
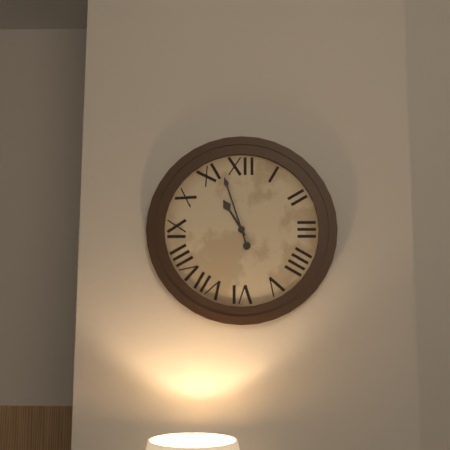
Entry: **10:57**
